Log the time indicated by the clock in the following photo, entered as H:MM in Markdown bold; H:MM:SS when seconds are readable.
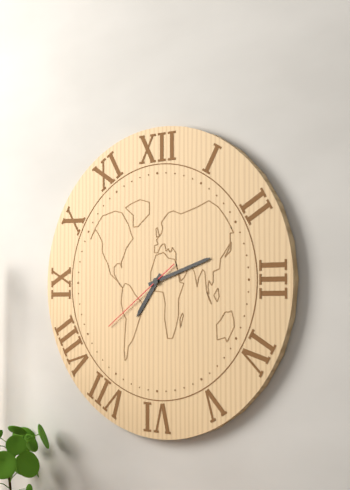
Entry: **7:12:39**
